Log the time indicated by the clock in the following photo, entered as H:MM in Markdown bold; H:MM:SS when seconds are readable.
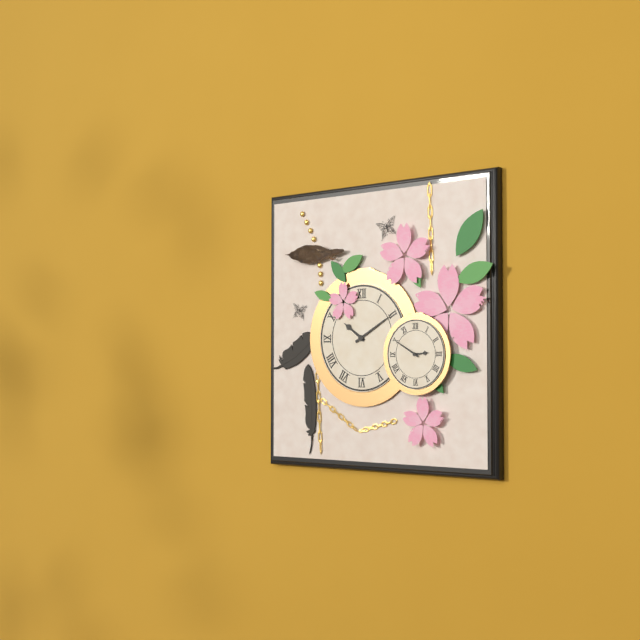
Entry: **10:10**
